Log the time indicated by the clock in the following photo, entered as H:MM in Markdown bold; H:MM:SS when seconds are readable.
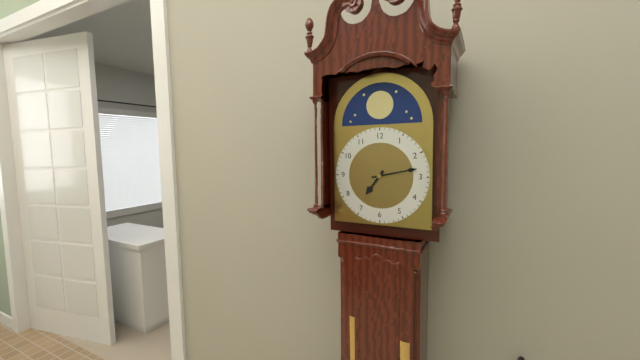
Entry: **7:13**
